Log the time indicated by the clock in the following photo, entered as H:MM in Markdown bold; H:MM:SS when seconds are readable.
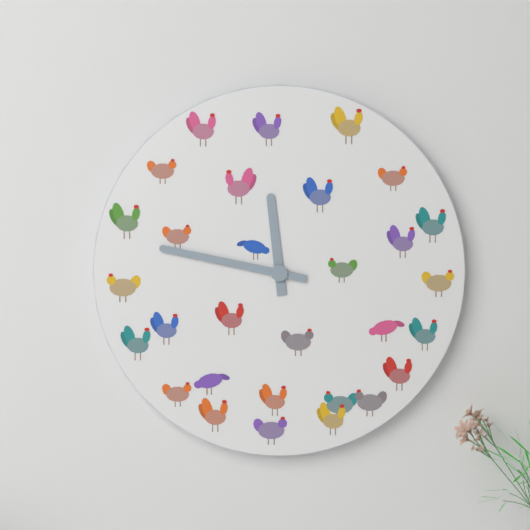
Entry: **11:47**
